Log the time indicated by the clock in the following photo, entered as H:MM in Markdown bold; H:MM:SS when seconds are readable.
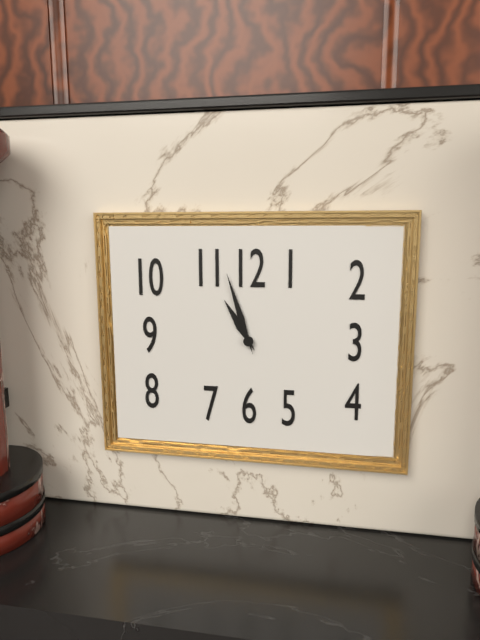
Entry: **10:57**
